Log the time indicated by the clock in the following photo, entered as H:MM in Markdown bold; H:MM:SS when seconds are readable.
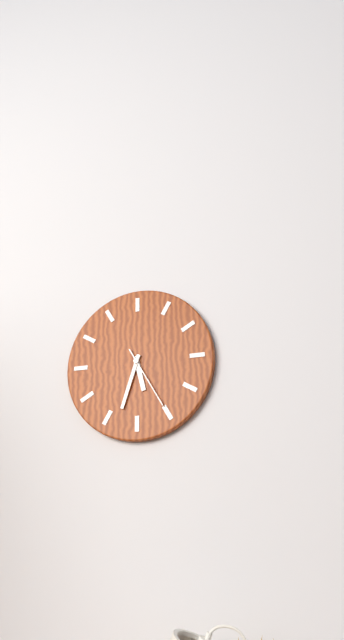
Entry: **5:33:25**
